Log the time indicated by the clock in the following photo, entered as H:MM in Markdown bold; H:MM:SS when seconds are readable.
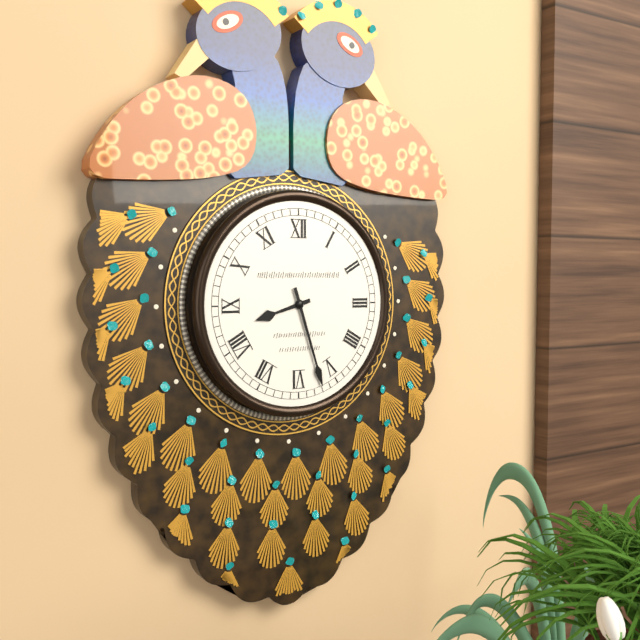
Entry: **8:27**
